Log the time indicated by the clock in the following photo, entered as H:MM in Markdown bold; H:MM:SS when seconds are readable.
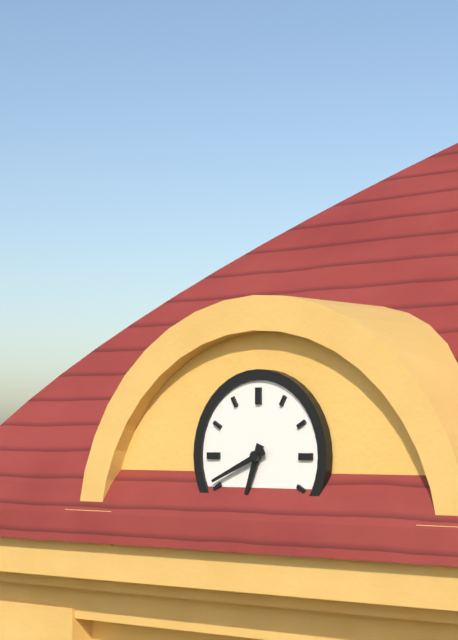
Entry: **6:41**
